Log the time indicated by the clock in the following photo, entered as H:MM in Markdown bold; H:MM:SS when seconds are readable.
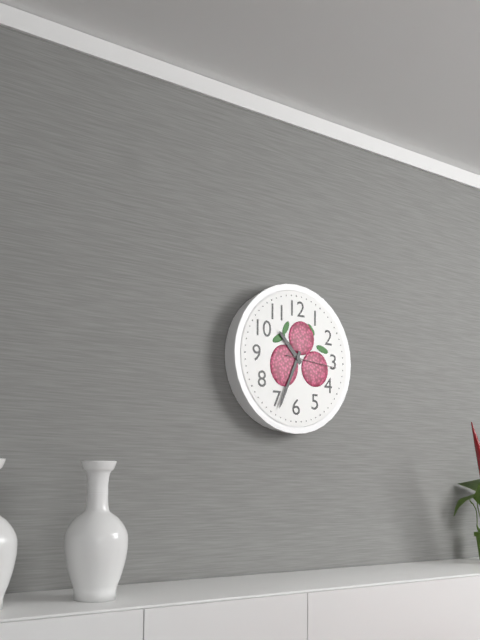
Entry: **10:34:16**
